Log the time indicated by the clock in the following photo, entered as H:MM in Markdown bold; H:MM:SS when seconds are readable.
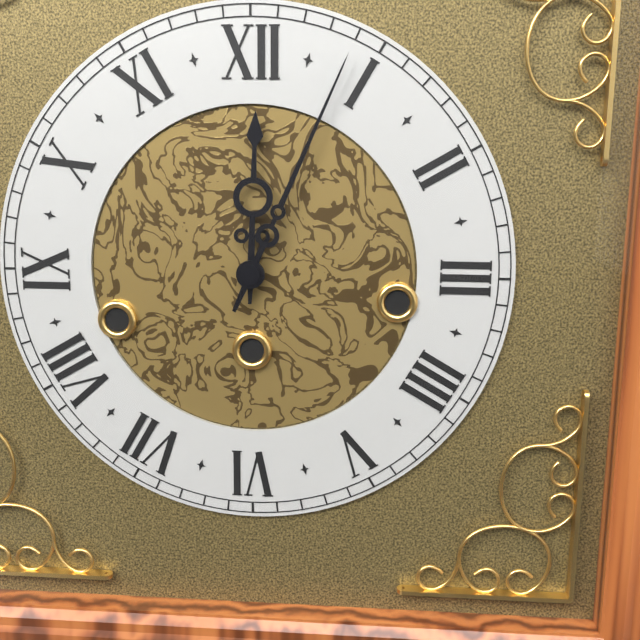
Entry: **12:04**
